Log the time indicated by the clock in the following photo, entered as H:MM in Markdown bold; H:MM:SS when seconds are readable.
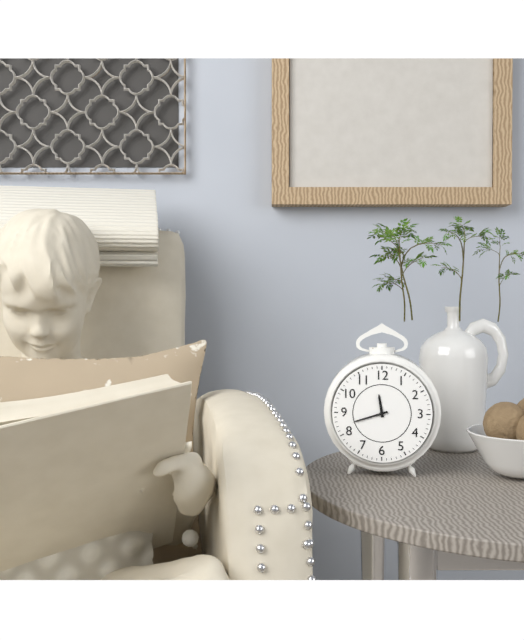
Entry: **11:42**
